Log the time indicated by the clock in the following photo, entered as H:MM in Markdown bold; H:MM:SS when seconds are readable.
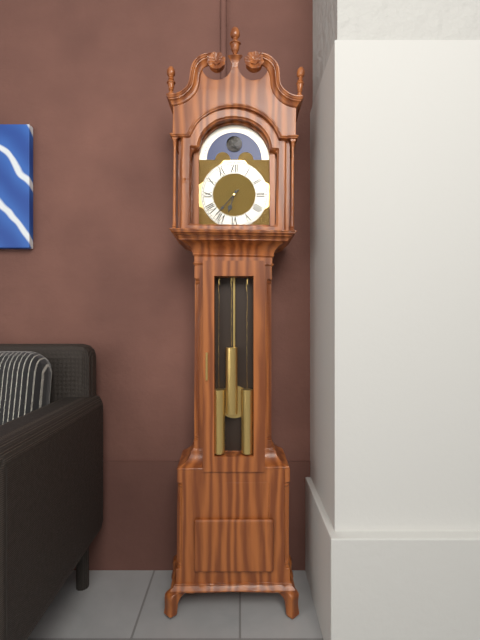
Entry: **6:37**
